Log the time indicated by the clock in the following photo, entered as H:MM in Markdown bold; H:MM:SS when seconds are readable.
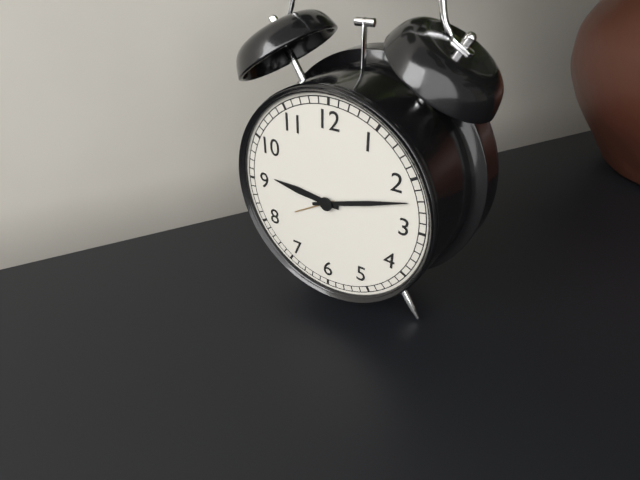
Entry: **9:12**
